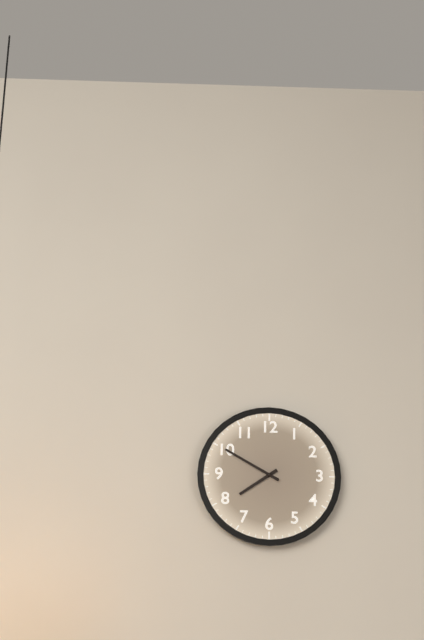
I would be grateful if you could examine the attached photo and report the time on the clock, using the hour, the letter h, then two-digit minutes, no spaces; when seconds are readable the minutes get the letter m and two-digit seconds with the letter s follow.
7h50
